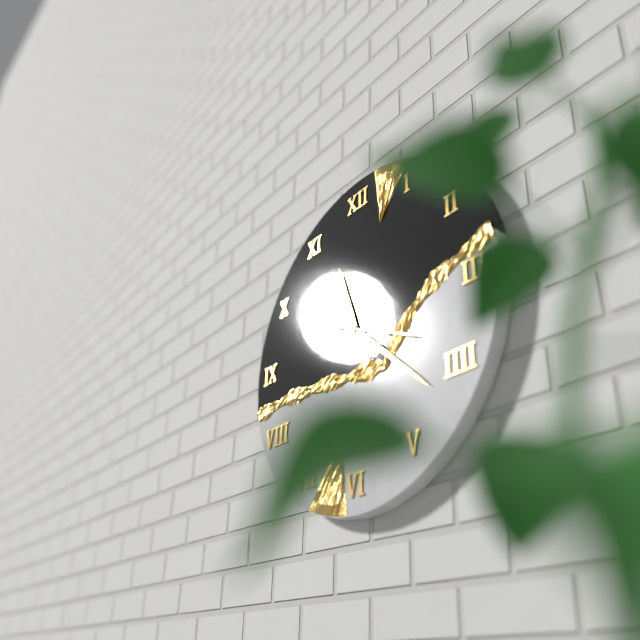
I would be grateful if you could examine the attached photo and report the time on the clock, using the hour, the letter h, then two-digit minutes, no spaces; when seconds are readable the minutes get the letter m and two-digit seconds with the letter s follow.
11h22m19s
